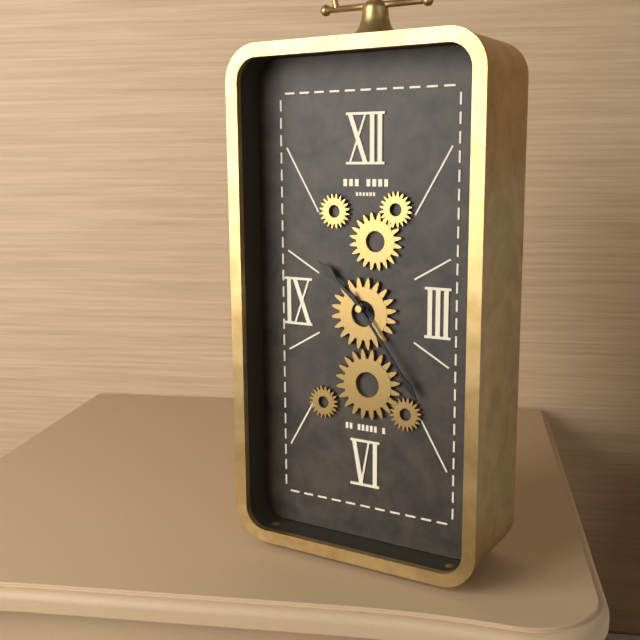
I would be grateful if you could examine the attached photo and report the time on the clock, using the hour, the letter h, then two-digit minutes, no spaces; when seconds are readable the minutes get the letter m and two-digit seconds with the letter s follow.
10h24
